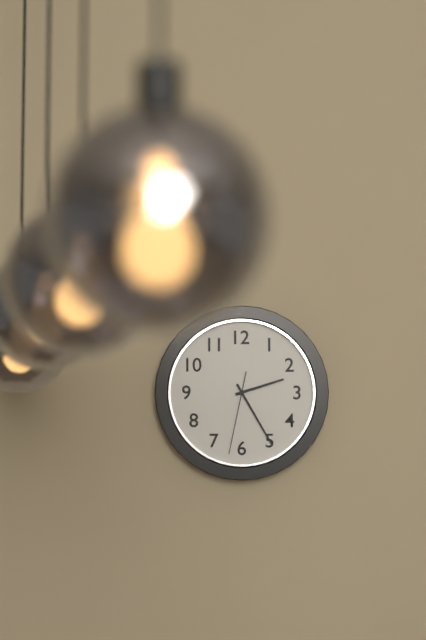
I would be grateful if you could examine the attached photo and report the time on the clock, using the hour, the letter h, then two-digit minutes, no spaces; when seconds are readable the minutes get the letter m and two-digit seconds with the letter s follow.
2h25m32s
